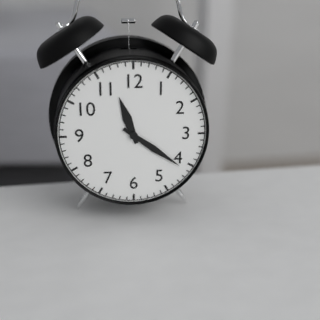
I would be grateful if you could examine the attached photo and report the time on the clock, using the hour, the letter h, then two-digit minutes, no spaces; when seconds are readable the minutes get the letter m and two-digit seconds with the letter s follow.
11h21
